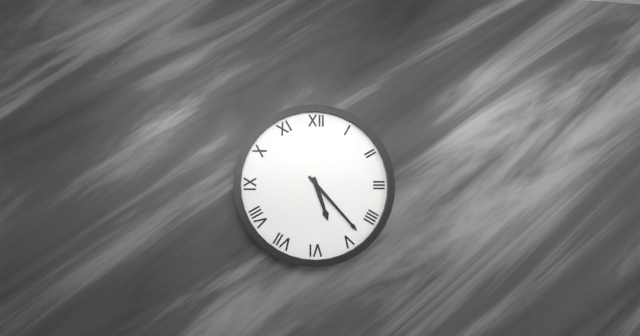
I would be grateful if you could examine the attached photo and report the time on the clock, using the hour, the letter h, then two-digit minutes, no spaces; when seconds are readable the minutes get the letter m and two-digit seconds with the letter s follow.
5h23
